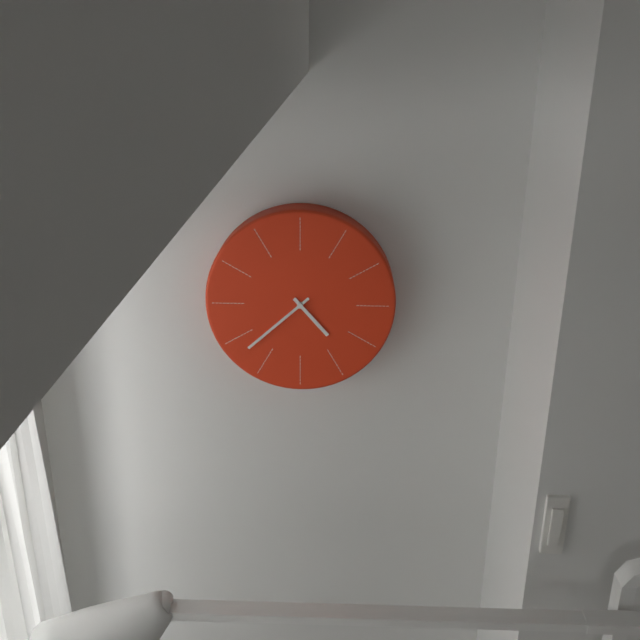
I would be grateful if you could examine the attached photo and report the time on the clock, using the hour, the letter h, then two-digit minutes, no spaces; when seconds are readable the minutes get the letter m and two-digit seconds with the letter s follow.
4h38
